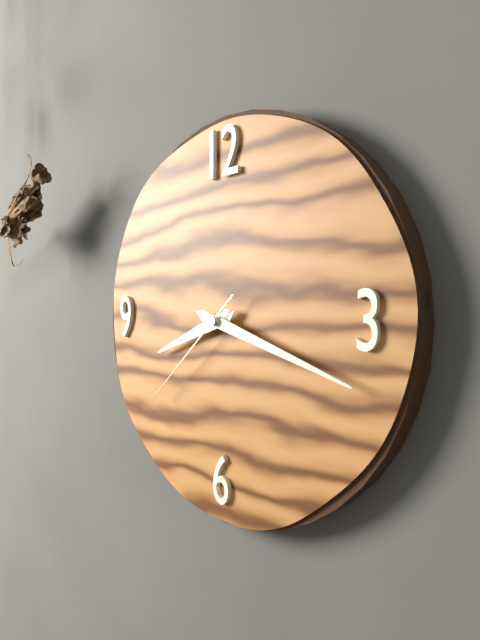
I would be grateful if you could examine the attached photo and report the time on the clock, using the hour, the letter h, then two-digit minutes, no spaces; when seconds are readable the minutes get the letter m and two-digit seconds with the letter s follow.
8h18m38s
